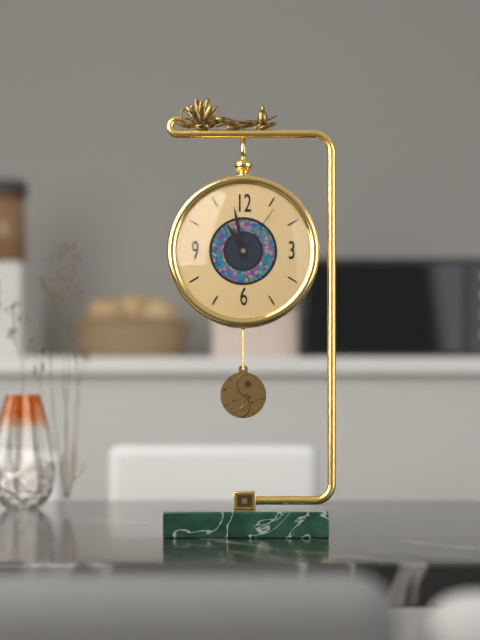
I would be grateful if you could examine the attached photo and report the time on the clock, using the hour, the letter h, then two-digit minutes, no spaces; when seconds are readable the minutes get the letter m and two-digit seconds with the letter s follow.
10h58m06s
